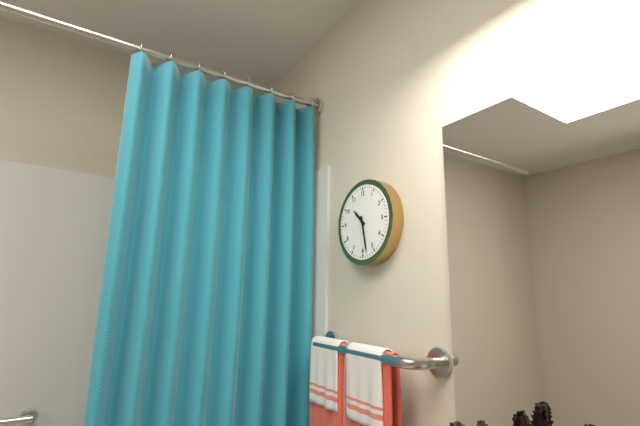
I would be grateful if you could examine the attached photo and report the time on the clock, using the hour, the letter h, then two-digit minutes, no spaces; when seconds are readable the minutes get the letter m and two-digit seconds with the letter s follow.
10h28
